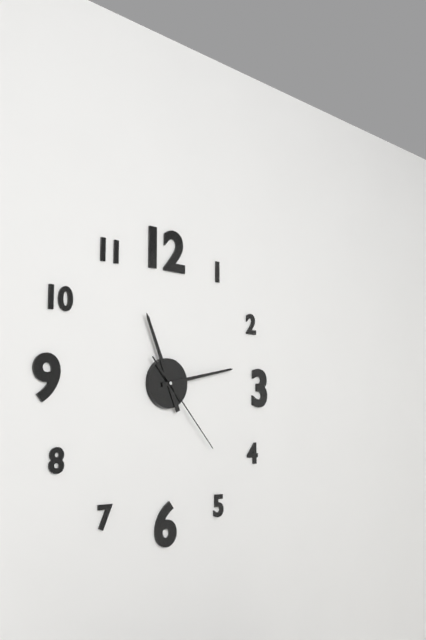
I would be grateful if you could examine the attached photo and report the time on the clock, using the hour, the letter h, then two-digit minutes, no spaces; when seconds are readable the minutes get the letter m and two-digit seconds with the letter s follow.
11h13m23s
